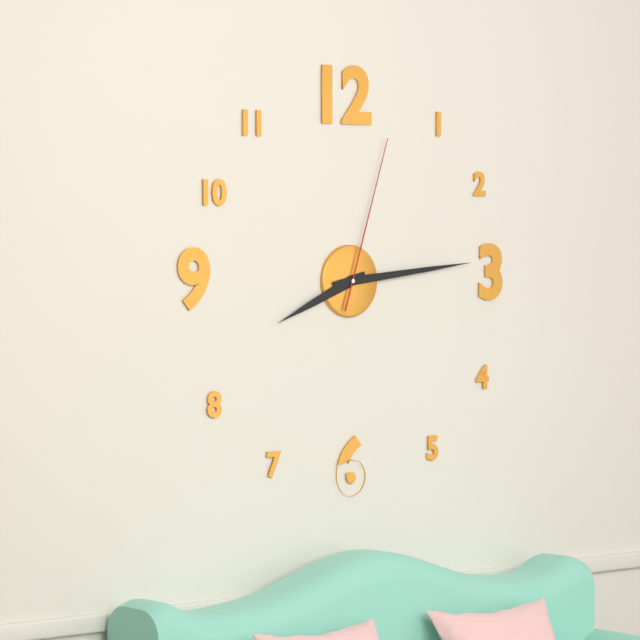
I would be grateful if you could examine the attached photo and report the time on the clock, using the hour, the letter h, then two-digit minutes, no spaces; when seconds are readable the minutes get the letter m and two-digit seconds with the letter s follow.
8h14m03s
